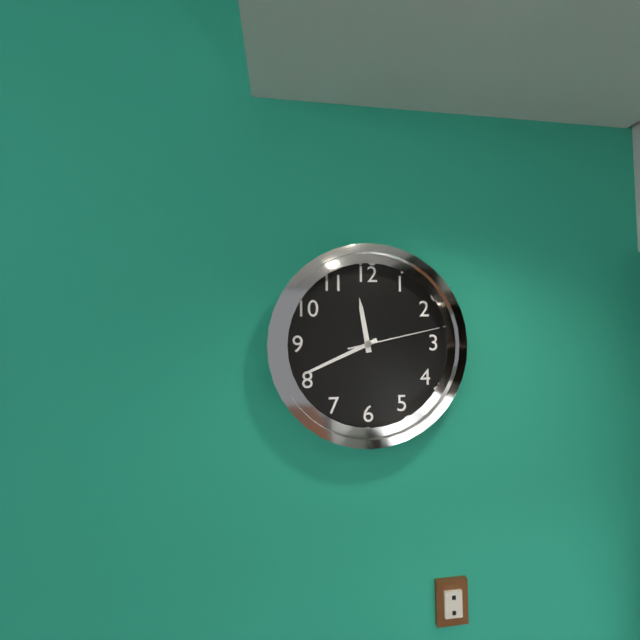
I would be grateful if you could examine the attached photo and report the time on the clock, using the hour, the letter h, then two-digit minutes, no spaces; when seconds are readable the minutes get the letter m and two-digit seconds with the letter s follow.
11h41m13s
